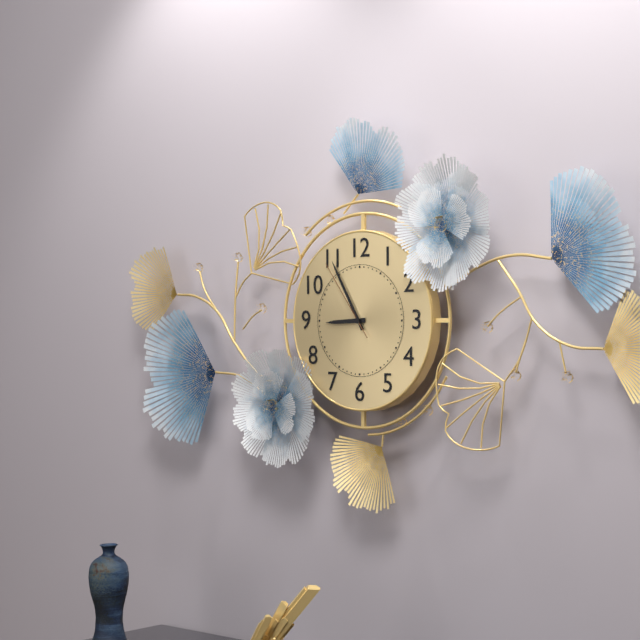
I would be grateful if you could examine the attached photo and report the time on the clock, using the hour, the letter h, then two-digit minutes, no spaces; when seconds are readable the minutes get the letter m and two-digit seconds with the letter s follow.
8h55m54s
